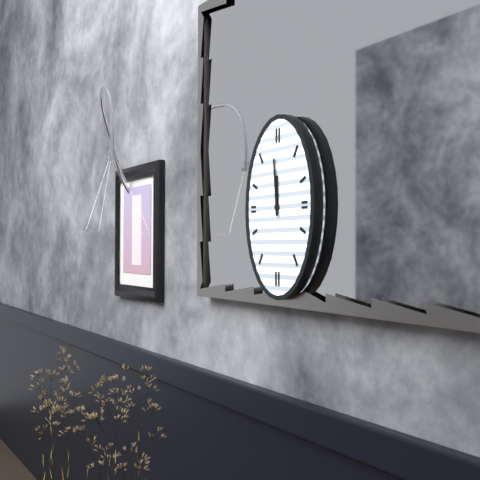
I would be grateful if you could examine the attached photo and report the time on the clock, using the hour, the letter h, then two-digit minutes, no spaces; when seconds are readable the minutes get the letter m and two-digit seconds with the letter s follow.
11h59
